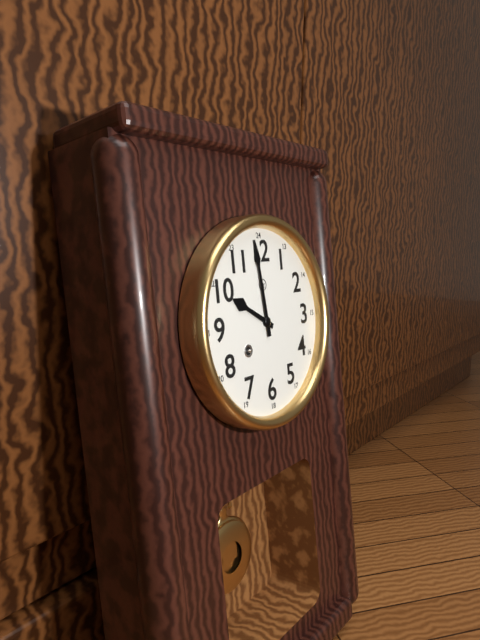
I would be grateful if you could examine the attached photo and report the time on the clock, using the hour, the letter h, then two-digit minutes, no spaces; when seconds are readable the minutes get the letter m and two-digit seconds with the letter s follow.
9h59
